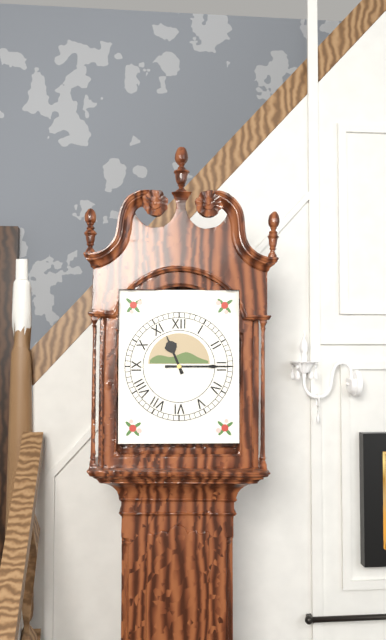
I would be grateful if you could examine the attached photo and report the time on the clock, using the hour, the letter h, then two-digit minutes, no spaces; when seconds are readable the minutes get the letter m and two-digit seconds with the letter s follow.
11h15
